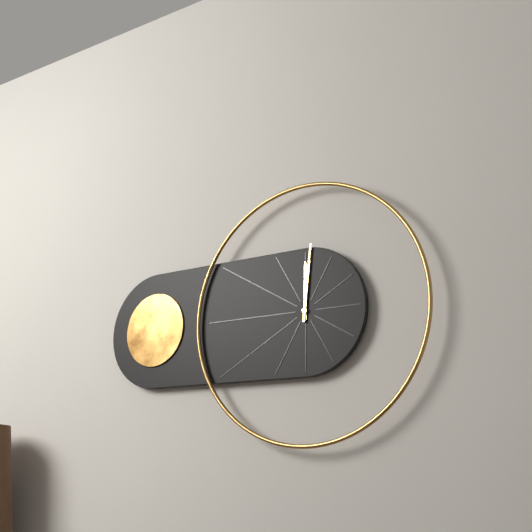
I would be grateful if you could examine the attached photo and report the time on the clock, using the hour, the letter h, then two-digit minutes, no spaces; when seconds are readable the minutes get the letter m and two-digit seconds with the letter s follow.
12h01
